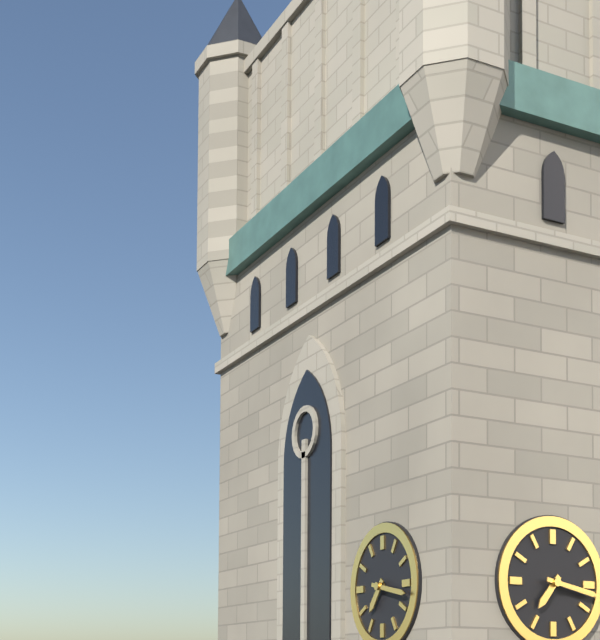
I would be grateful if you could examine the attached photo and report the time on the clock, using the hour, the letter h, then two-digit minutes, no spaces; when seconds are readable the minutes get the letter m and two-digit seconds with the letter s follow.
7h17
